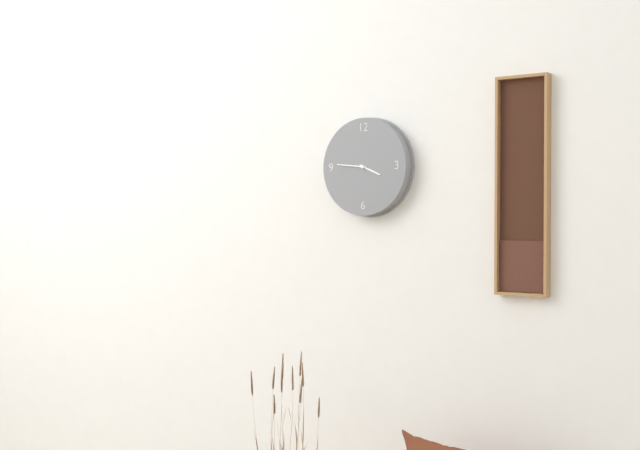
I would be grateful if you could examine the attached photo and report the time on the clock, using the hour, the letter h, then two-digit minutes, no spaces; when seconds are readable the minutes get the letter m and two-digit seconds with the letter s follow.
3h46
